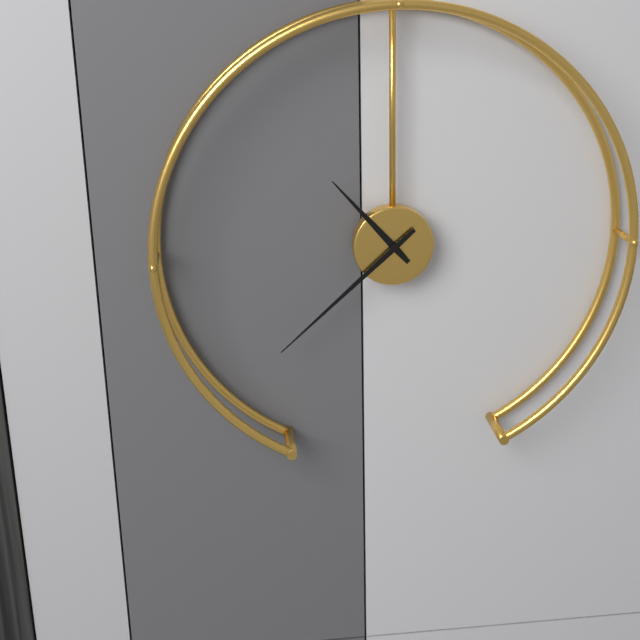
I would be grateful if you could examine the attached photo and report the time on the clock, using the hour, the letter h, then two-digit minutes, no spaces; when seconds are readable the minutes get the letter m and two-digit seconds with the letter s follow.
10h38
